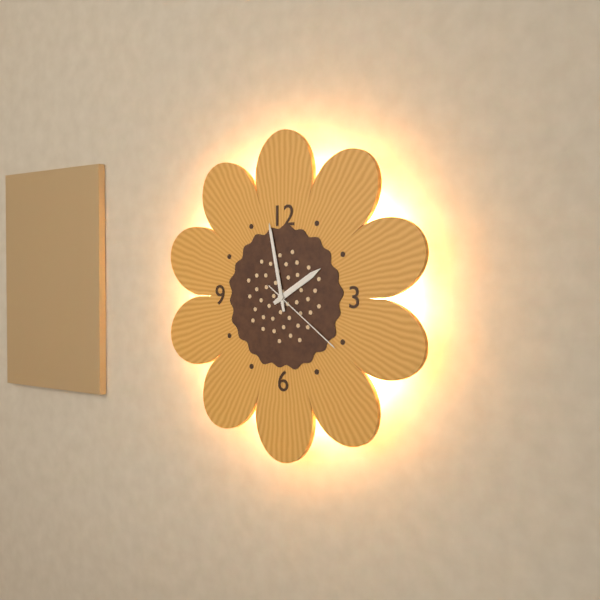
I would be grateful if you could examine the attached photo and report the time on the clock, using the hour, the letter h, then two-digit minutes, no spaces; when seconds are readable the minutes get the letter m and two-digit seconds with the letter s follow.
1h58m21s
